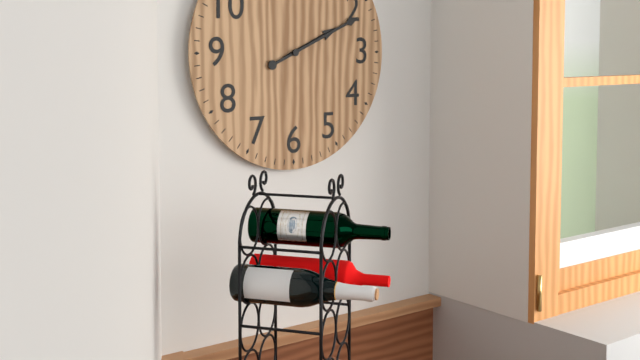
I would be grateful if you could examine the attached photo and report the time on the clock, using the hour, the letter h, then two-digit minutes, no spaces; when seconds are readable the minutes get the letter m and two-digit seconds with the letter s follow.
2h11
